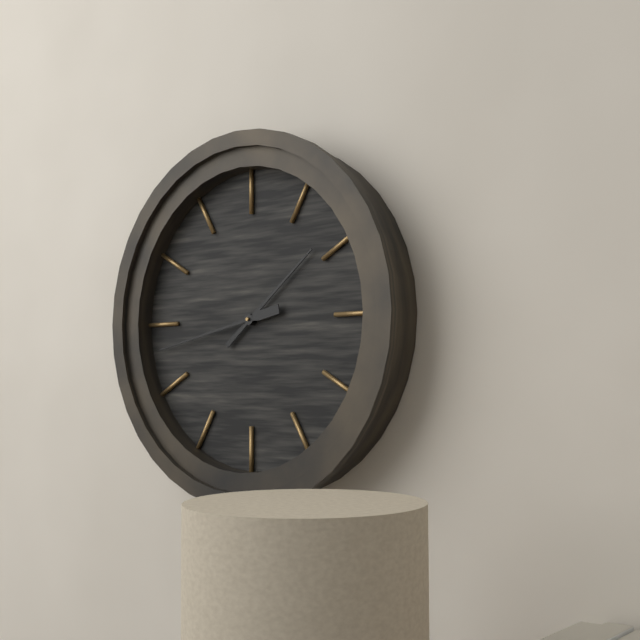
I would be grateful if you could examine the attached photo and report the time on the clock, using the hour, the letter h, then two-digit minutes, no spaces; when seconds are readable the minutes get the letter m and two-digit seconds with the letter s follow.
1h43
